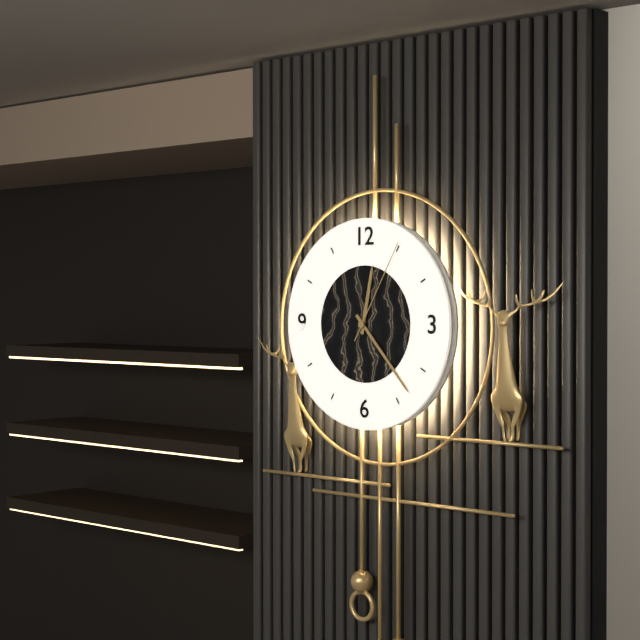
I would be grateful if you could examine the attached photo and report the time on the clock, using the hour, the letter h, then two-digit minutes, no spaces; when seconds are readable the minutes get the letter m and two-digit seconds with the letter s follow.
12h23m05s
